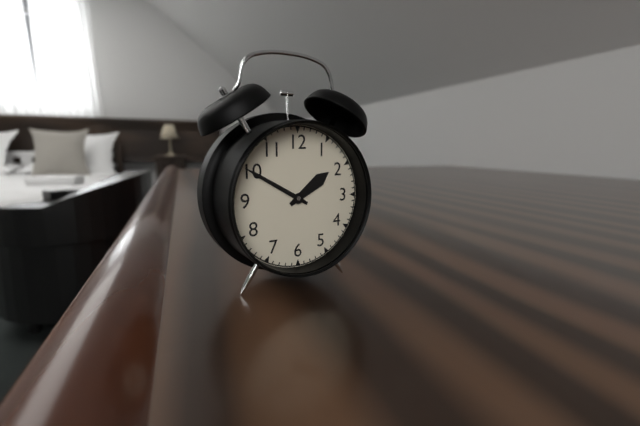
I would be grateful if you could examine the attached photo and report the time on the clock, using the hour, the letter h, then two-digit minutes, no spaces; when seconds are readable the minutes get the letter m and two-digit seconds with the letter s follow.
1h50
